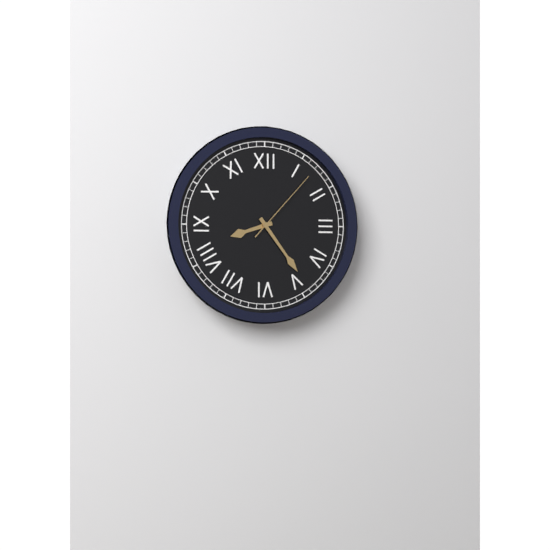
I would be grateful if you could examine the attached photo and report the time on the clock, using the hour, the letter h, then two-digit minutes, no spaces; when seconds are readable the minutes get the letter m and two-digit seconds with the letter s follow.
8h24m07s
